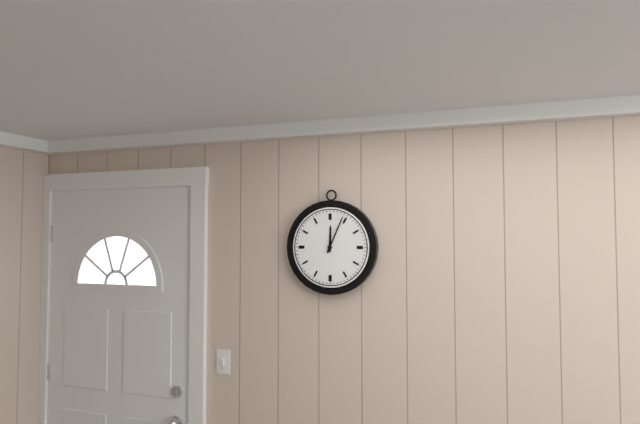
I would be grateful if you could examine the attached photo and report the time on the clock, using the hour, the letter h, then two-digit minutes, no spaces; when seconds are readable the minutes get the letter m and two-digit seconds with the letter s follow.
12h04
